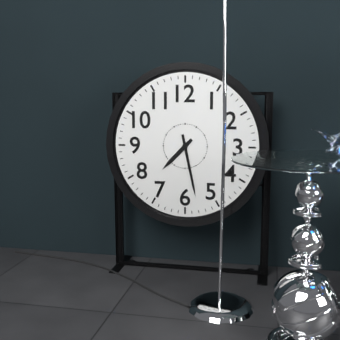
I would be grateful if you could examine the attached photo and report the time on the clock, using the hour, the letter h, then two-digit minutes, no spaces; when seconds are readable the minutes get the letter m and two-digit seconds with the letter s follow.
7h28
